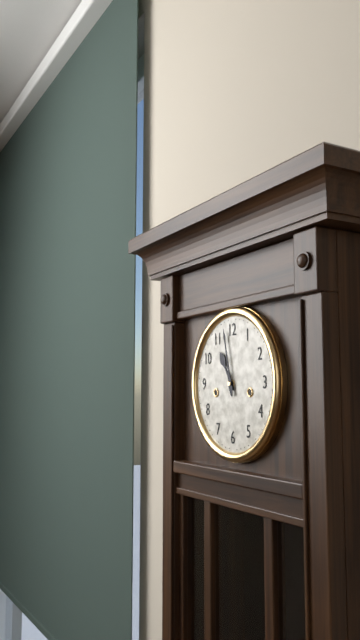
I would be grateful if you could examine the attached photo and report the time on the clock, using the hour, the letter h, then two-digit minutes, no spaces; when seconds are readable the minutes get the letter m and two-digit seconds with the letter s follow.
10h58
